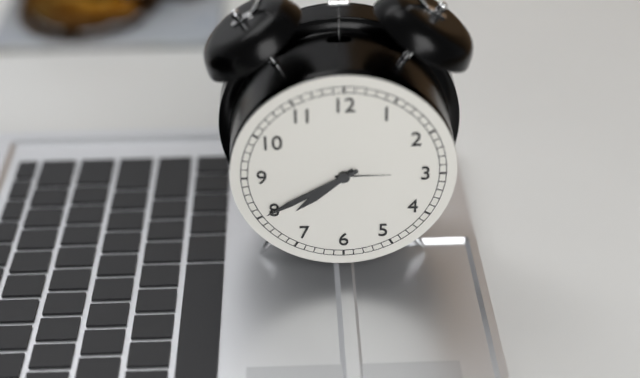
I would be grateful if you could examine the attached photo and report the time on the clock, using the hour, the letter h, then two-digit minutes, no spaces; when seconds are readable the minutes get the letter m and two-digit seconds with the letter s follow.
7h40
